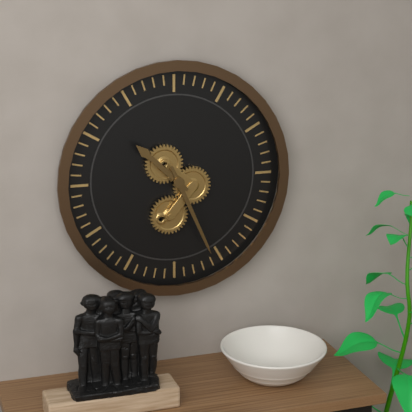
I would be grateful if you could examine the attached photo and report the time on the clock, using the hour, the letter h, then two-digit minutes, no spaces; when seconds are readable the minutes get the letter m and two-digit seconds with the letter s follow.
10h26
